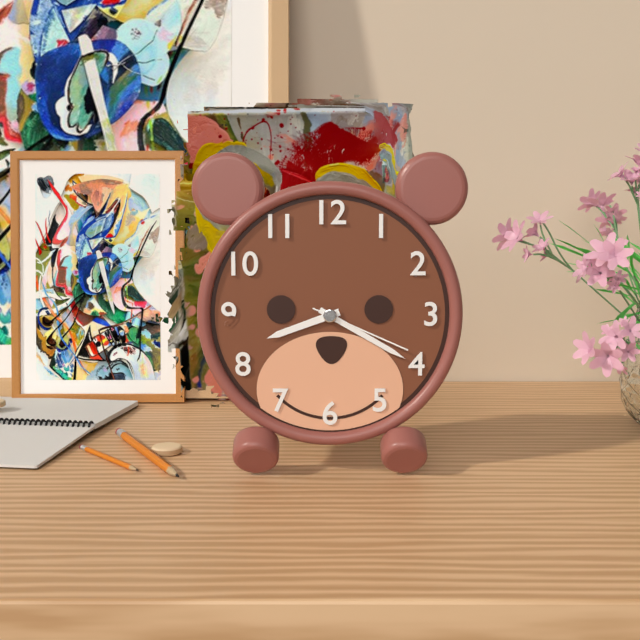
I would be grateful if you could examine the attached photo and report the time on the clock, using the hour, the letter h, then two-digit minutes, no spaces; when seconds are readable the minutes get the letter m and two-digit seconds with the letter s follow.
8h20m19s
